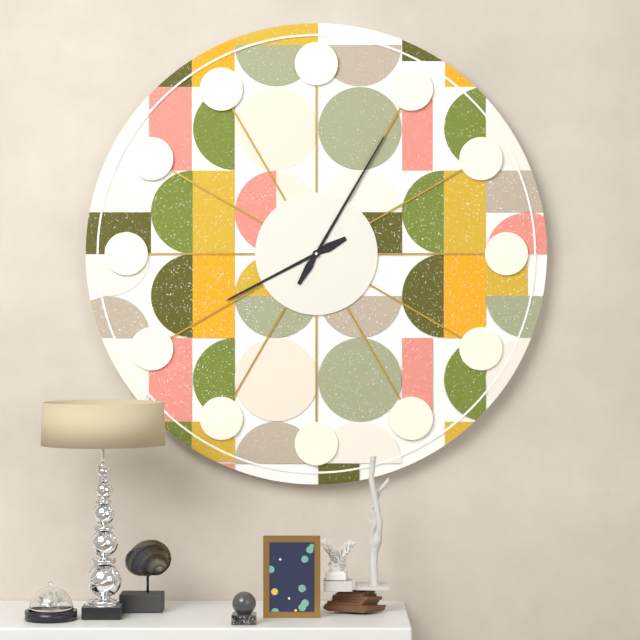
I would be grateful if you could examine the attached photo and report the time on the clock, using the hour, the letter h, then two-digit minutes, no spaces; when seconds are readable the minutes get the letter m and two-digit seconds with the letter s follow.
8h05
